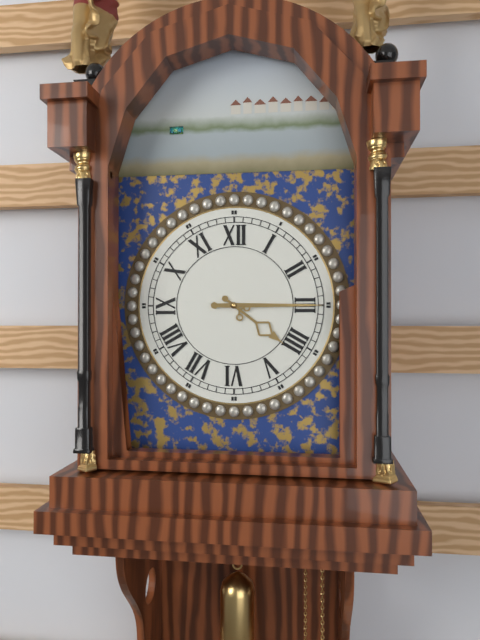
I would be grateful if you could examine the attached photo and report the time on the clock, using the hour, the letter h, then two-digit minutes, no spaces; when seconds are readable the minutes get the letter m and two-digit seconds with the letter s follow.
4h15
